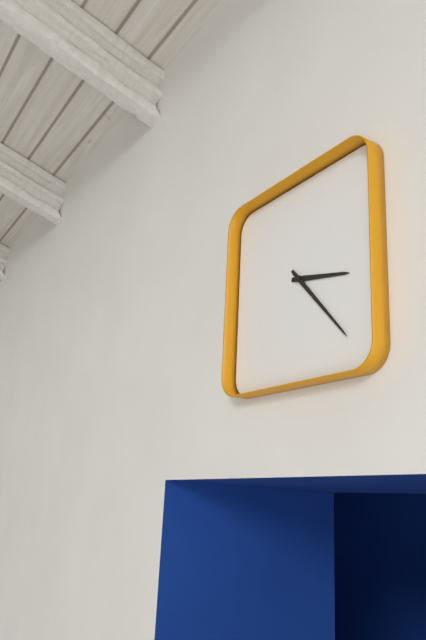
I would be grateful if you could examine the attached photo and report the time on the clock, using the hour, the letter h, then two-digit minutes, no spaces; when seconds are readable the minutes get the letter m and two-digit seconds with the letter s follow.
3h23
